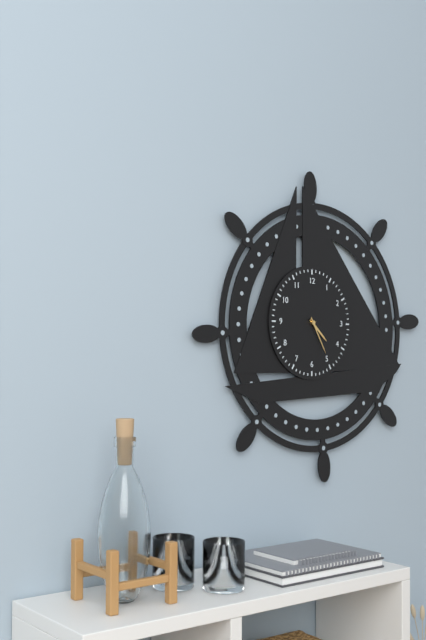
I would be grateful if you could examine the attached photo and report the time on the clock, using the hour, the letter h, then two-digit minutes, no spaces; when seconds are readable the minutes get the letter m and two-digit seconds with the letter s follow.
4h25
